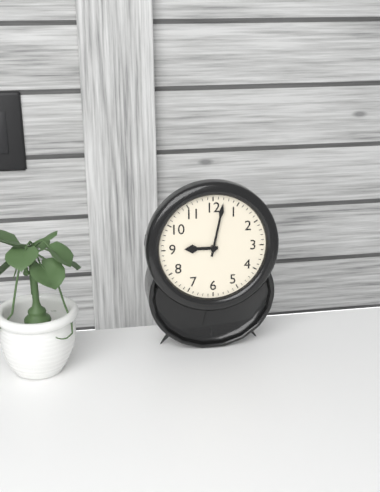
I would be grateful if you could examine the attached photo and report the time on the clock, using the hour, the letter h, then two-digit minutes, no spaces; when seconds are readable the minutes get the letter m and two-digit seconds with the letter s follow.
9h02
